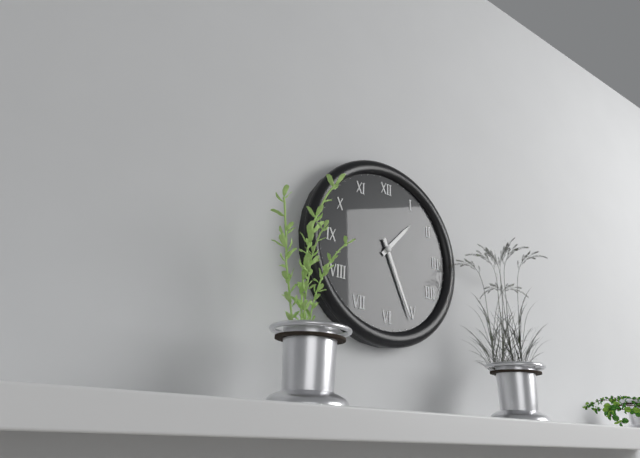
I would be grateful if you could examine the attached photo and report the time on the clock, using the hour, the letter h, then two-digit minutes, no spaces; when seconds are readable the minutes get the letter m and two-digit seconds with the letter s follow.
1h26
